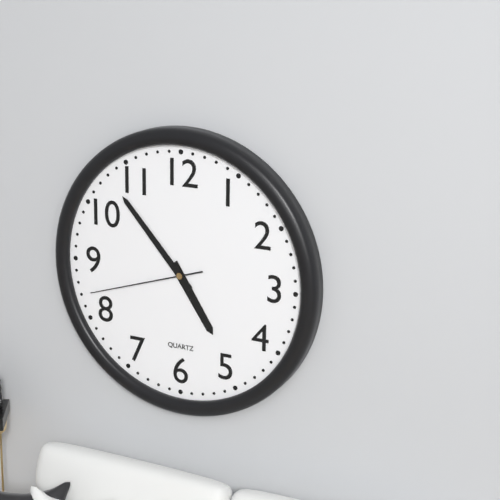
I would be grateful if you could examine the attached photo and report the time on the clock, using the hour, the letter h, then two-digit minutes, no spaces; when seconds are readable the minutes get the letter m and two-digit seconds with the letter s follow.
4h53m42s
